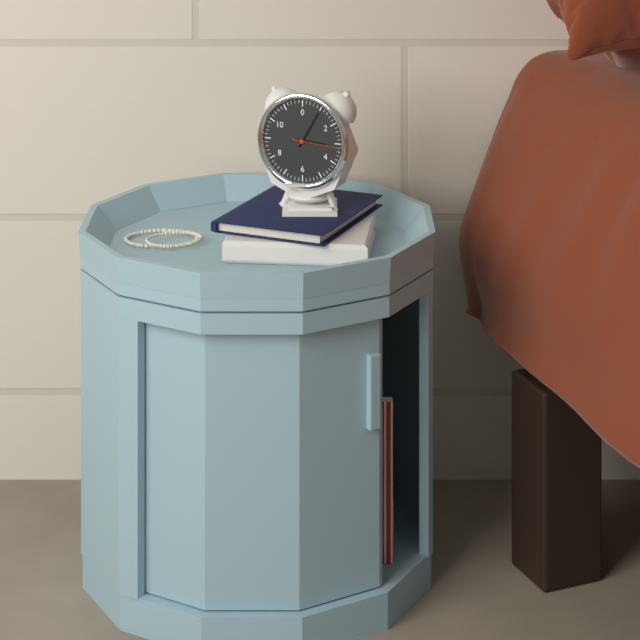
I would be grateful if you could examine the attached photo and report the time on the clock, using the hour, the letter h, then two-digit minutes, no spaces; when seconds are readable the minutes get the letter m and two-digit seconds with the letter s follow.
3h05
